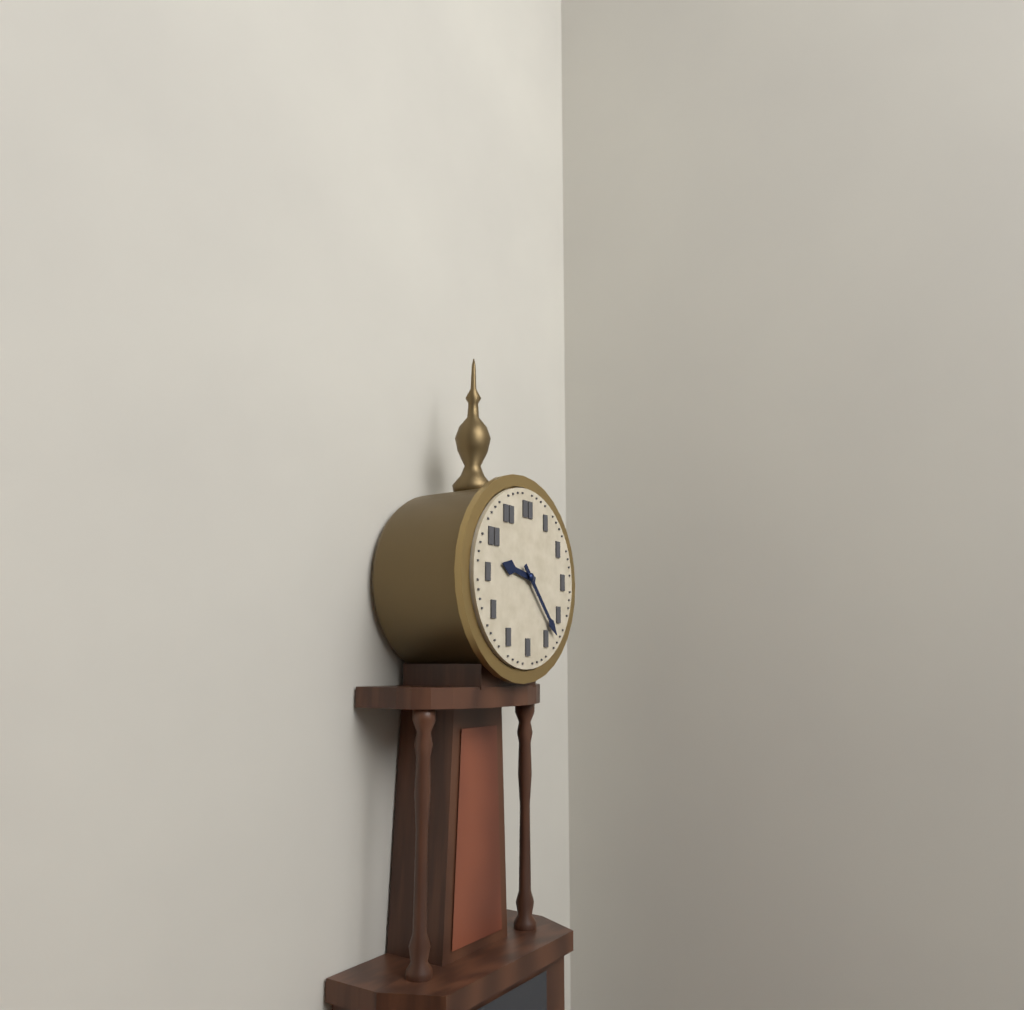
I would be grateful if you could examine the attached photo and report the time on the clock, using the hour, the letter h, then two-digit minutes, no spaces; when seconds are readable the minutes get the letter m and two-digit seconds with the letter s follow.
9h23
